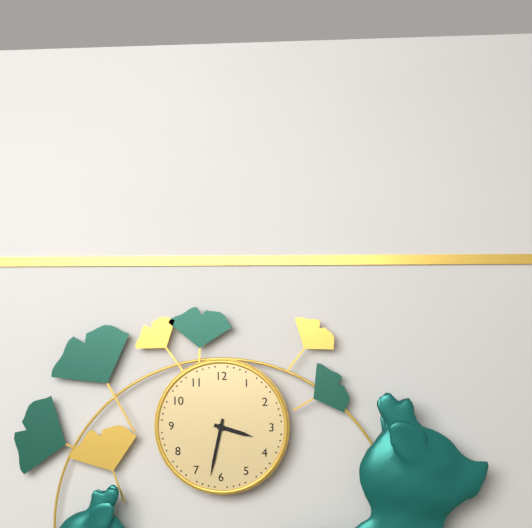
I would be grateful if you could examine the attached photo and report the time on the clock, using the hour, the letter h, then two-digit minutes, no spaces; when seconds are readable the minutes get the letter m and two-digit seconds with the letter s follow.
3h32
